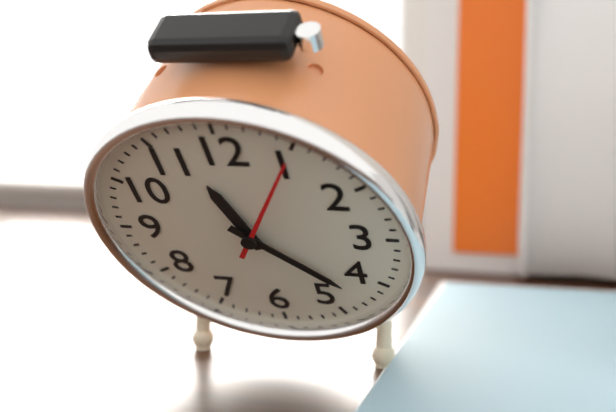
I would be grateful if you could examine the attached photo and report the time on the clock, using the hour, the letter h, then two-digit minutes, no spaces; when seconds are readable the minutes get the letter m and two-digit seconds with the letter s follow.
11h22m05s
